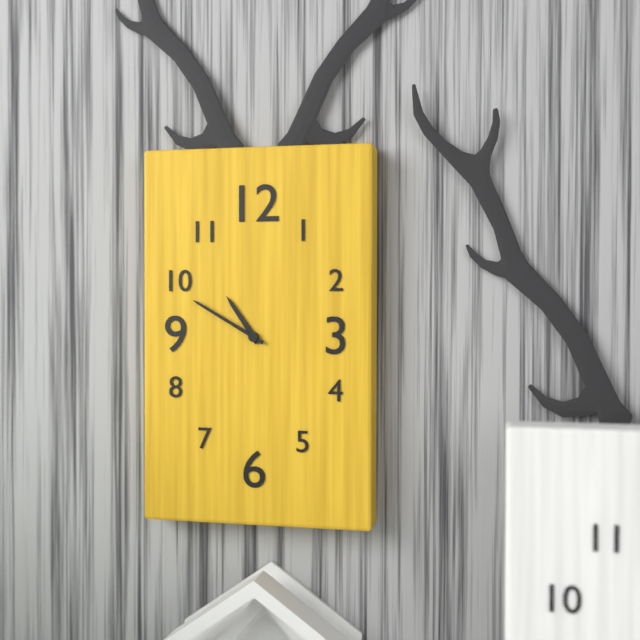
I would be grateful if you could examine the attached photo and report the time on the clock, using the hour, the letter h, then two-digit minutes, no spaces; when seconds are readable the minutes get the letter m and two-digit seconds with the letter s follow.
10h50
